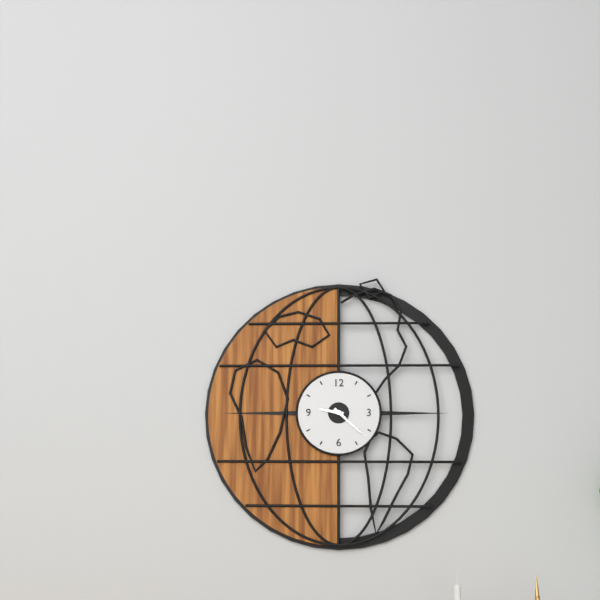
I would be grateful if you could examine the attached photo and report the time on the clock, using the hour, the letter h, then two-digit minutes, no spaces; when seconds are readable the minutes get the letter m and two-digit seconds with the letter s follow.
9h22
